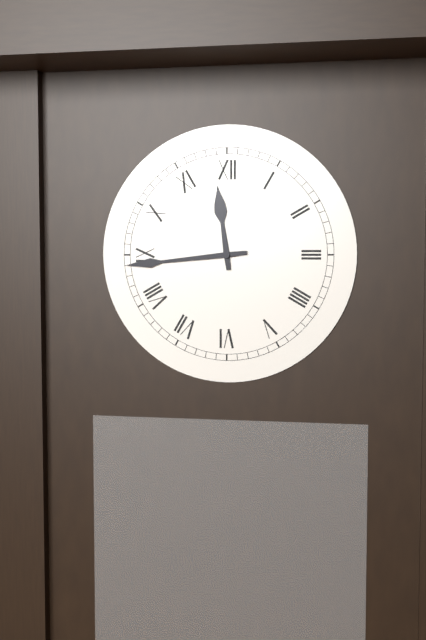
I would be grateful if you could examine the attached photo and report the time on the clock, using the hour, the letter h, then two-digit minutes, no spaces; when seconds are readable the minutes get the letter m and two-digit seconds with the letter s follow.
11h44
